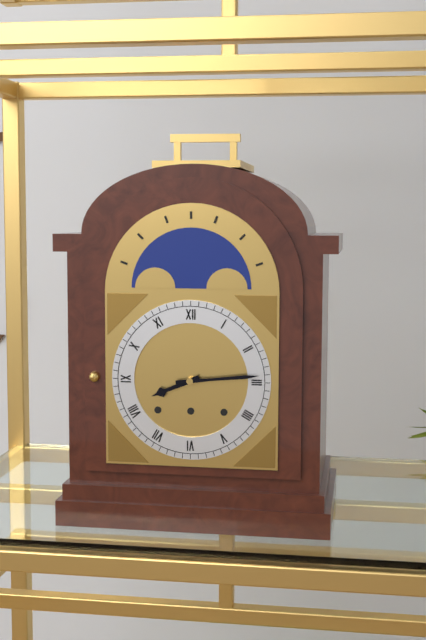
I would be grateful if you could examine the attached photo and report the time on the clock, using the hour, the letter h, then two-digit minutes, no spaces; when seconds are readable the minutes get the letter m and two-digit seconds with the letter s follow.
8h14
